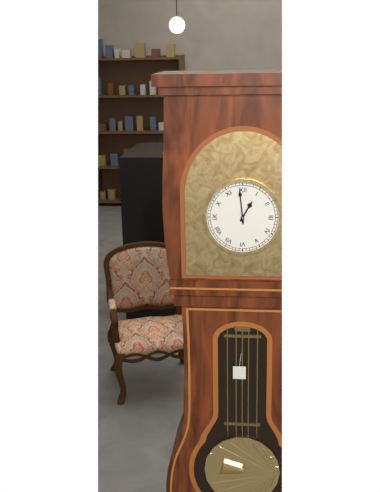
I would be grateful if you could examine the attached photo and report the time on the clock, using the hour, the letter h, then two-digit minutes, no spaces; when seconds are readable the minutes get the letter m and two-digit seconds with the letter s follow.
12h59
